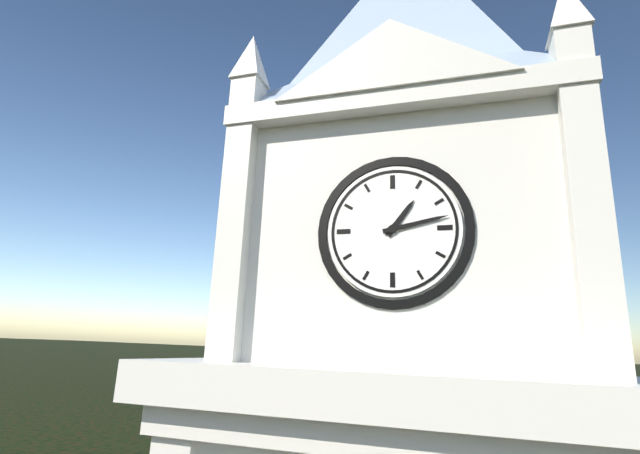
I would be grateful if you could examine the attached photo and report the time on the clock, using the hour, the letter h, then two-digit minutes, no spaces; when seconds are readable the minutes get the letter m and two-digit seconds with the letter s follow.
1h13
